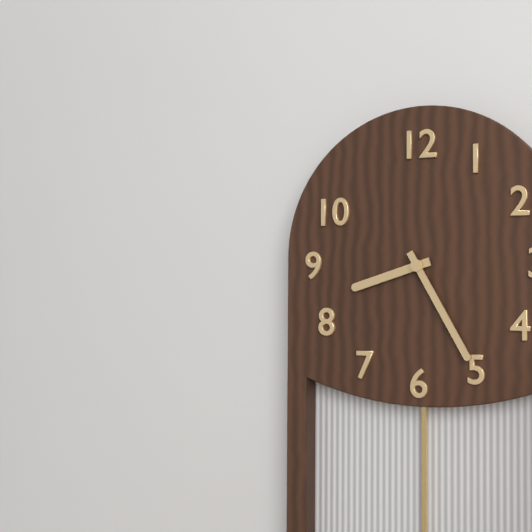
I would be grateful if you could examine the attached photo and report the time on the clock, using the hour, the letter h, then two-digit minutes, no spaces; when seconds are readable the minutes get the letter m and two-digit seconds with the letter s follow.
8h25
